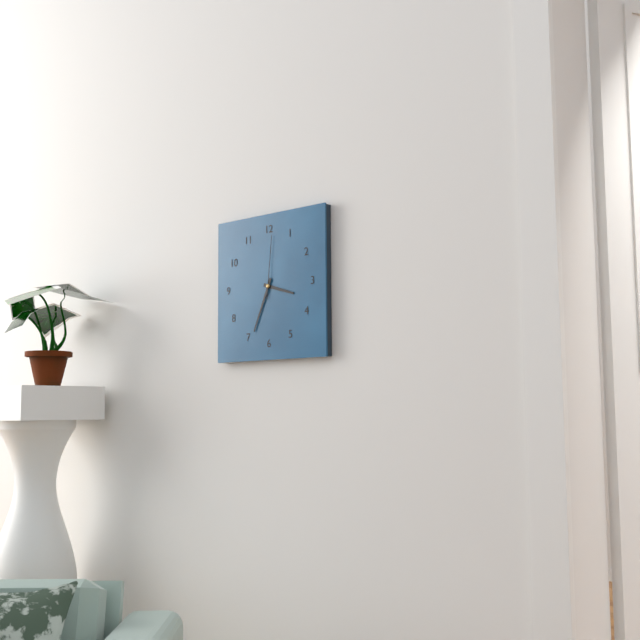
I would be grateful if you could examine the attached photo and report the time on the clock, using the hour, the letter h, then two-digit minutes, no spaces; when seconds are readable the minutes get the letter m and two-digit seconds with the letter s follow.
3h34m01s
